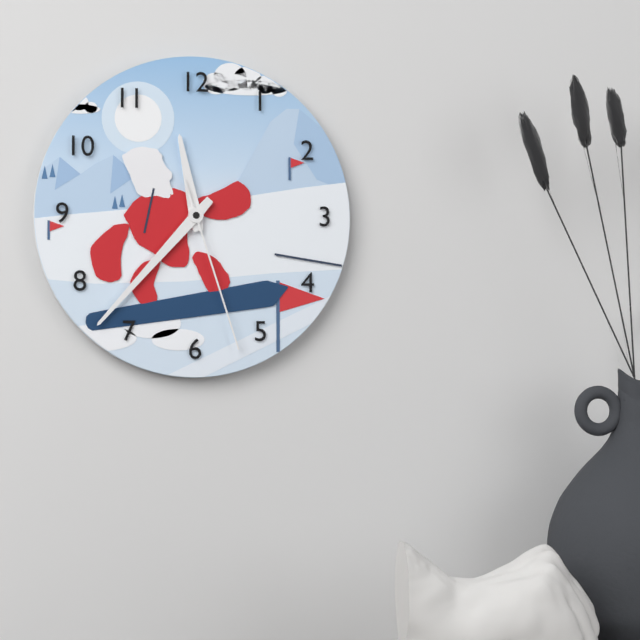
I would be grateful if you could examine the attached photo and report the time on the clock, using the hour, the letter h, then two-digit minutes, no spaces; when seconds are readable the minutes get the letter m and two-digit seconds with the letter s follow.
11h37m27s
